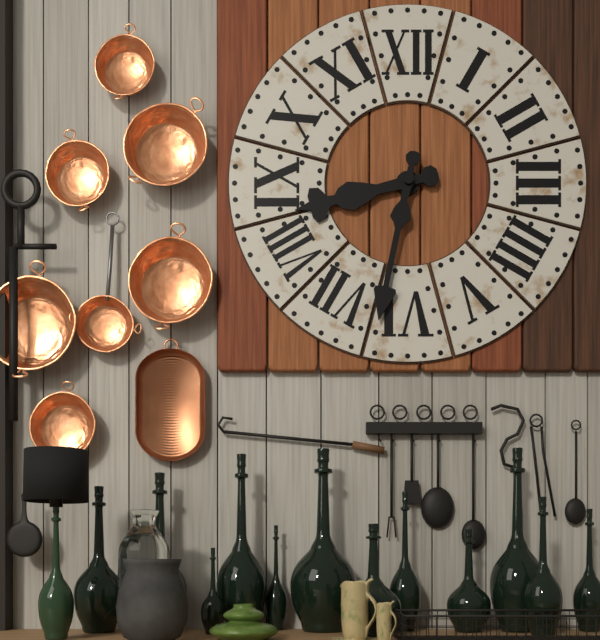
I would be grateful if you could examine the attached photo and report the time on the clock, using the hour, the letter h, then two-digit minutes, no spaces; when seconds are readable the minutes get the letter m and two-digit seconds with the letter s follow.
8h32
